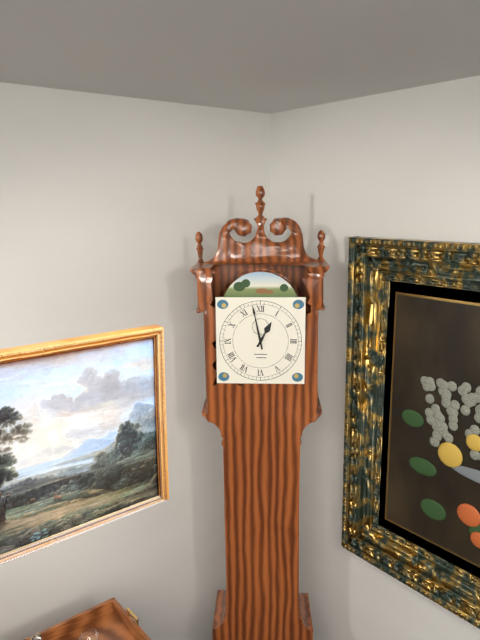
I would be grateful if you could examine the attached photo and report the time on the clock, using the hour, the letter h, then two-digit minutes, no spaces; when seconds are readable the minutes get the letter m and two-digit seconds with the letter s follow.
12h58
